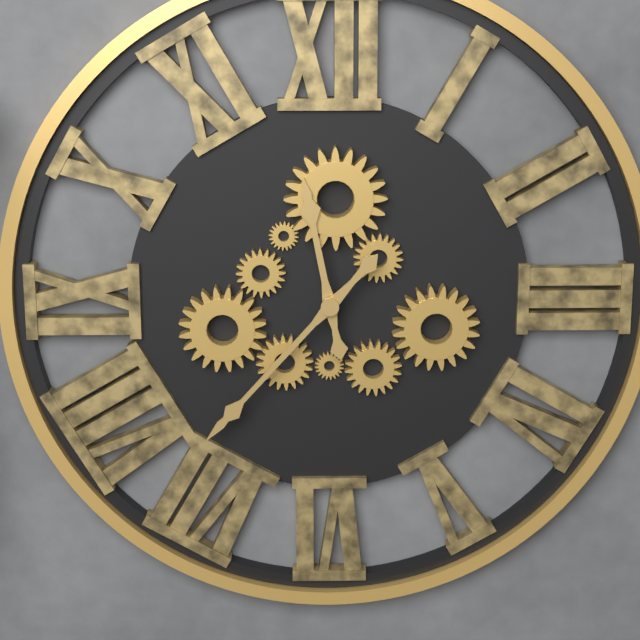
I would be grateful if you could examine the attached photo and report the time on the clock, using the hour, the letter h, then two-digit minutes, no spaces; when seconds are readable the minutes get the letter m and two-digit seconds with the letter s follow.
11h37
